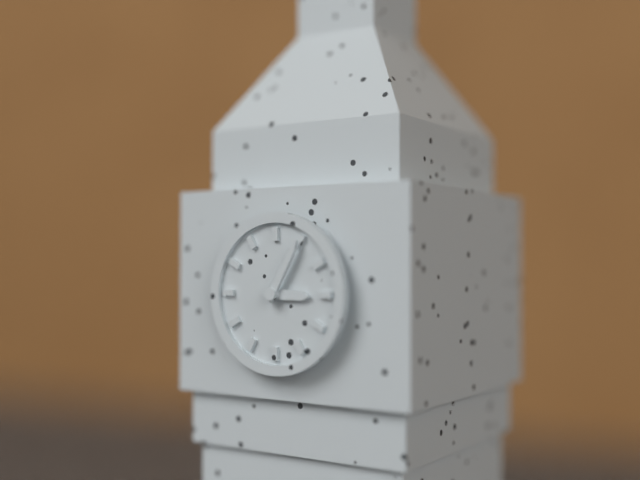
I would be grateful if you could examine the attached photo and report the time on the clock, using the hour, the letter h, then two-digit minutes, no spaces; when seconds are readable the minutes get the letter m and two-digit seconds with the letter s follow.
3h05
